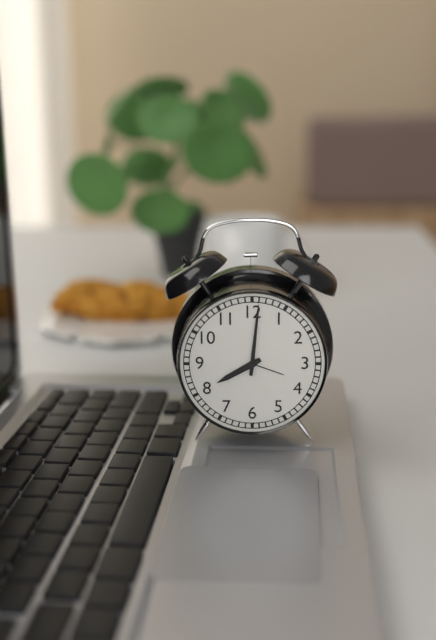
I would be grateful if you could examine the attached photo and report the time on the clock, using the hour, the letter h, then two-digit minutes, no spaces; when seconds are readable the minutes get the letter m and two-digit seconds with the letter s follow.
8h01
